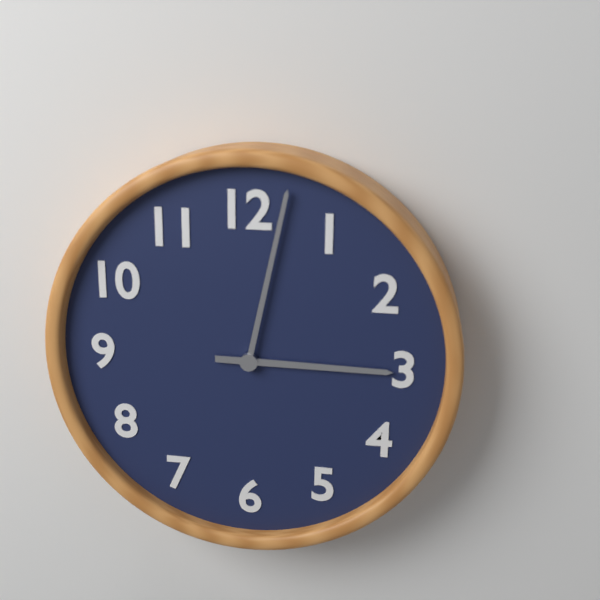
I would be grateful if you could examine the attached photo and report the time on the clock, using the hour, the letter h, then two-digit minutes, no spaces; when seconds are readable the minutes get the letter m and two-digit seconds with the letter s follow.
3h02
